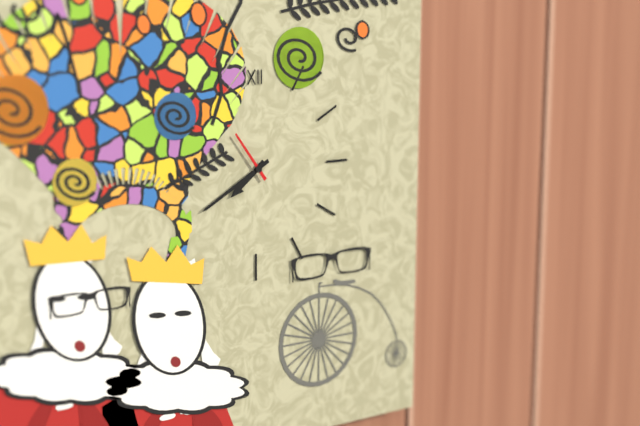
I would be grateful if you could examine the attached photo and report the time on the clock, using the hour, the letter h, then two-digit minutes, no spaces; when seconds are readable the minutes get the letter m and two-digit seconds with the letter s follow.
7h40m54s
